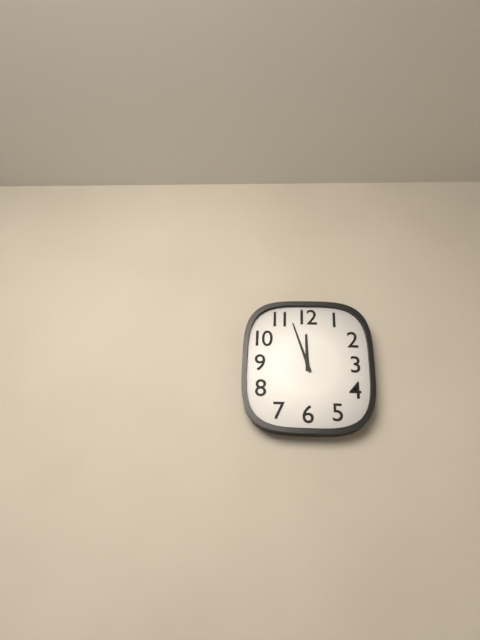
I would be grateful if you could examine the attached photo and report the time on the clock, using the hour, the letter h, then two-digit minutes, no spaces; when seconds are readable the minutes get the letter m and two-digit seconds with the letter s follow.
11h57
